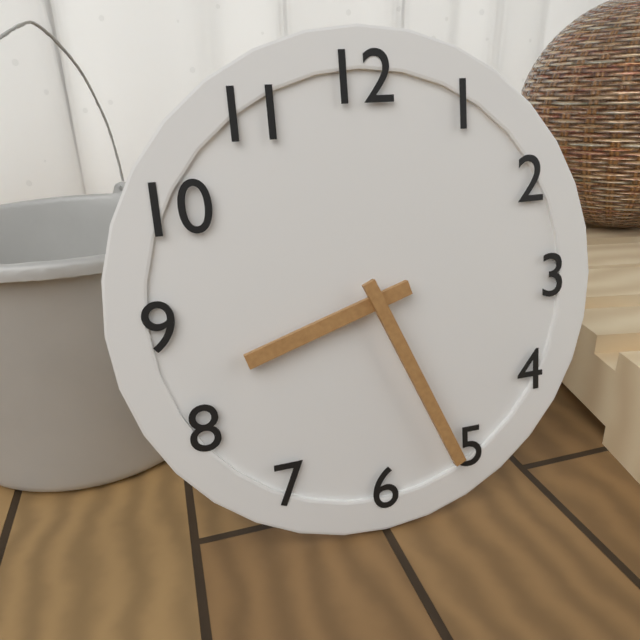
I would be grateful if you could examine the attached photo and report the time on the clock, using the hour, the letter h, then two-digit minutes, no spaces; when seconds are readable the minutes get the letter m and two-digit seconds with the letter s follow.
8h26
